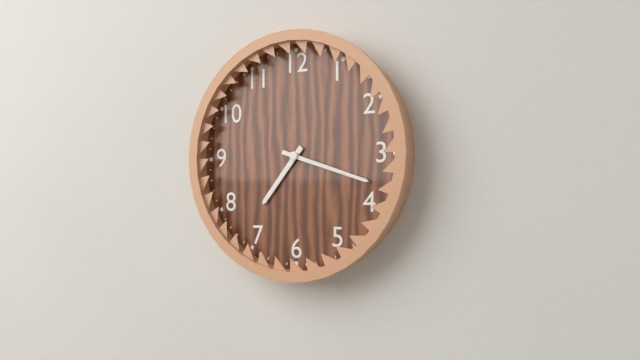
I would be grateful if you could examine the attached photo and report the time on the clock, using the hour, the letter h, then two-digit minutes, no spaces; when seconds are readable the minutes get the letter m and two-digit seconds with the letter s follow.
7h18
